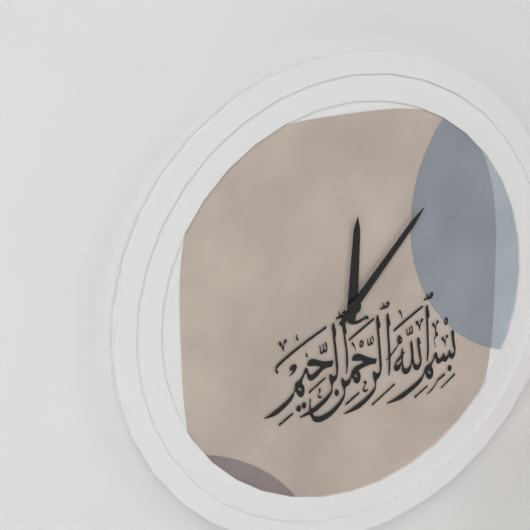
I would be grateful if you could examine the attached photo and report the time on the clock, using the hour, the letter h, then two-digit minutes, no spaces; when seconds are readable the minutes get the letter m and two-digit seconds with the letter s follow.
12h07
